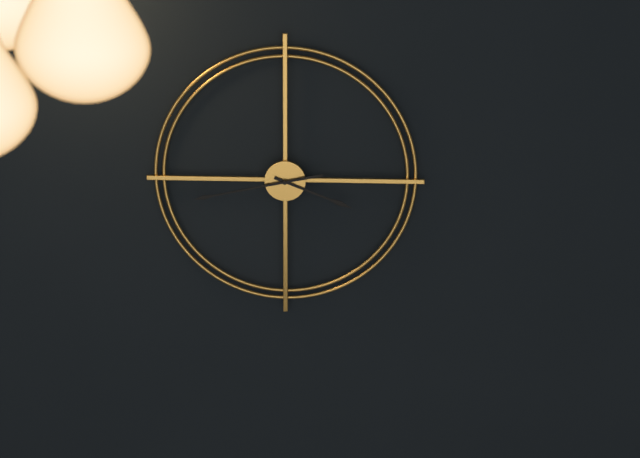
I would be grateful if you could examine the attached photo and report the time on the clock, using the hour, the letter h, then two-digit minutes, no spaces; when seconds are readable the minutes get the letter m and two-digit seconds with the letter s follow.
3h43
